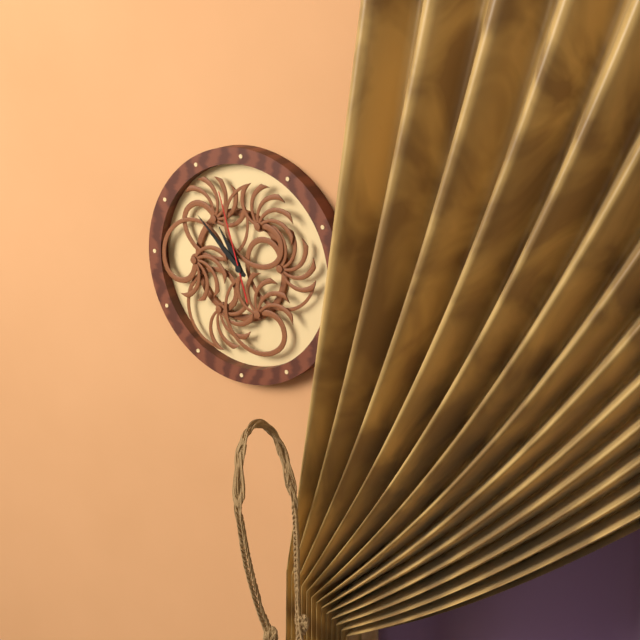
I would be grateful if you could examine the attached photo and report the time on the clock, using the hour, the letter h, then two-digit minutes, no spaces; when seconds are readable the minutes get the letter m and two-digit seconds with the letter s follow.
10h52m57s
